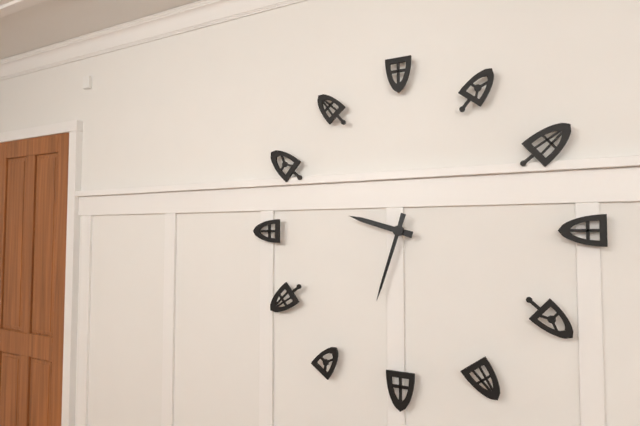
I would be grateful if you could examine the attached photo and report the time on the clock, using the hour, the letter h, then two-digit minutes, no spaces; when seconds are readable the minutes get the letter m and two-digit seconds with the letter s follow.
9h33
